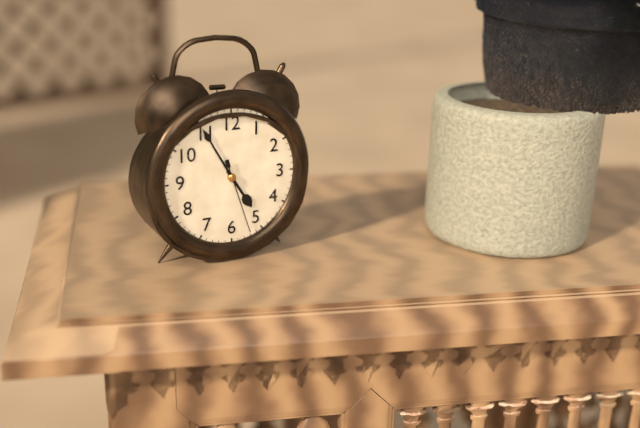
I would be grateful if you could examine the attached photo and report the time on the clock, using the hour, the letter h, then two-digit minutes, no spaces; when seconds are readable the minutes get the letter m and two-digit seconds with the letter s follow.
4h55m27s
